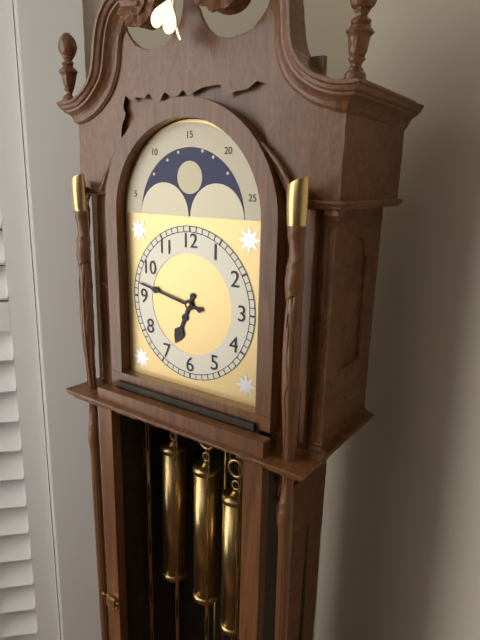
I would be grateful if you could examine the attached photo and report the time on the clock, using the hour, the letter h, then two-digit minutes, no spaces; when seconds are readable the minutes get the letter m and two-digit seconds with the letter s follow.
6h47
